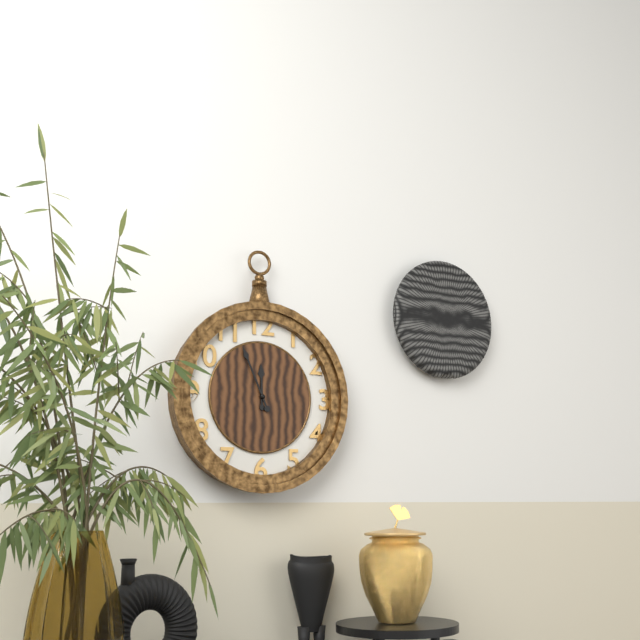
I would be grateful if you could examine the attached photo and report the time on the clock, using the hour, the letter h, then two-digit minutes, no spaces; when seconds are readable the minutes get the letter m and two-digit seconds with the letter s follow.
11h56
